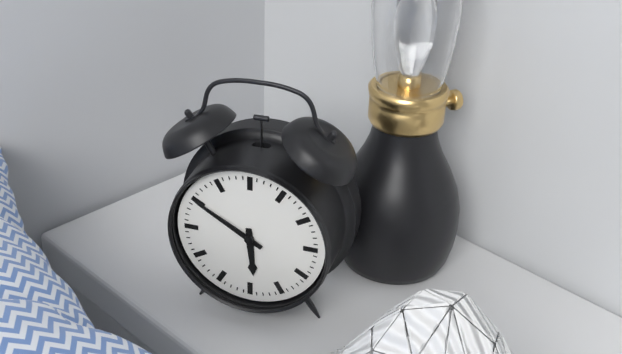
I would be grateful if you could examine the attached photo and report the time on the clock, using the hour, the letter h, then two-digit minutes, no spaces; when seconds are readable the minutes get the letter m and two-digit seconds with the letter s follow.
5h50
